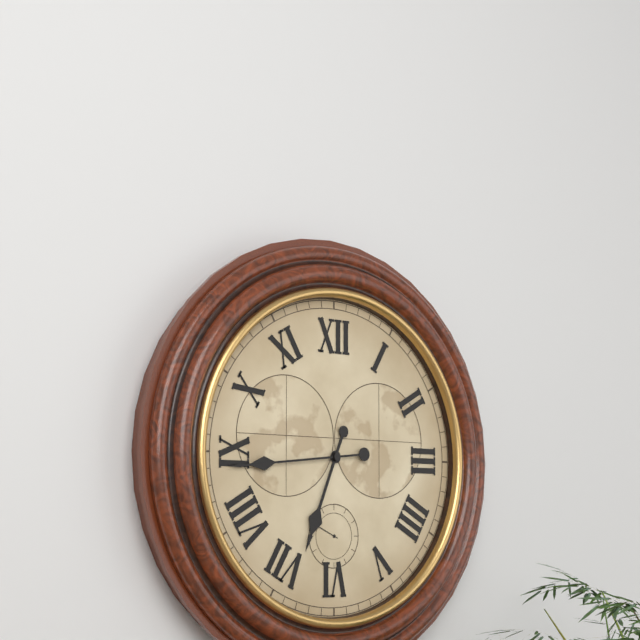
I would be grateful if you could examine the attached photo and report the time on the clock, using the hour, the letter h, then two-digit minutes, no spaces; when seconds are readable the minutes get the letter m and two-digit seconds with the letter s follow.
6h44
